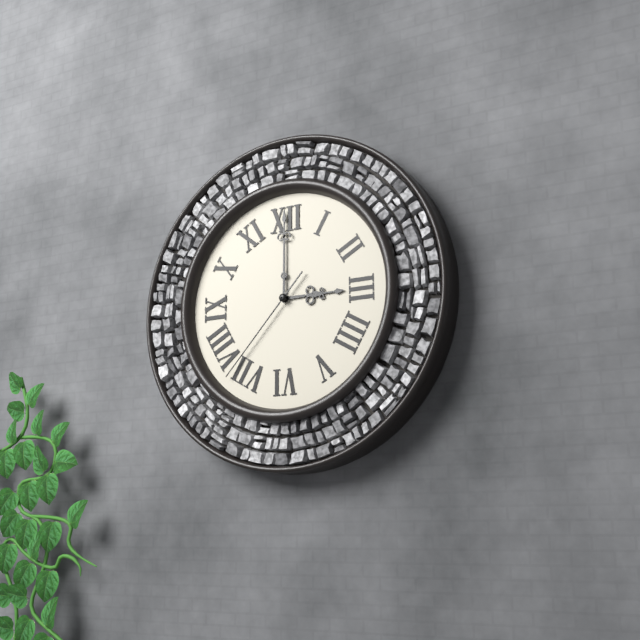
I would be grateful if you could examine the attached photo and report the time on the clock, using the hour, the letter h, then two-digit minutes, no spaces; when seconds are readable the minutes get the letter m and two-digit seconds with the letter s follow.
3h00m37s
